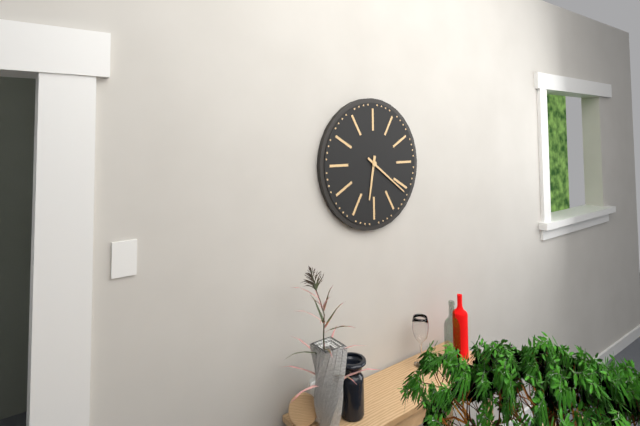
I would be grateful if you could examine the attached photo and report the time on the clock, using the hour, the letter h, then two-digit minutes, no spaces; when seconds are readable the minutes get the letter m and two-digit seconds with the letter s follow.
6h21
